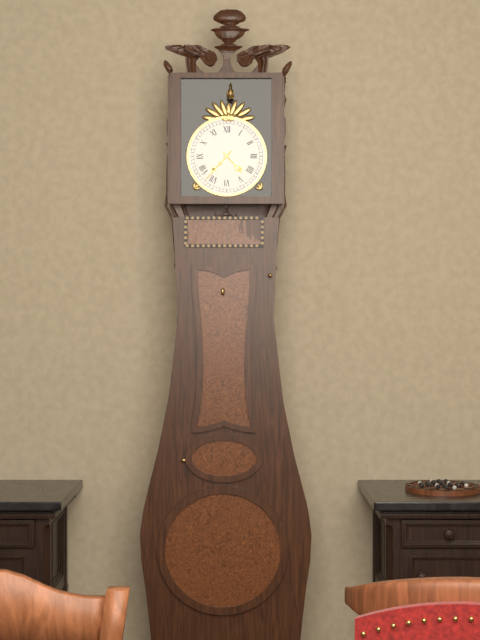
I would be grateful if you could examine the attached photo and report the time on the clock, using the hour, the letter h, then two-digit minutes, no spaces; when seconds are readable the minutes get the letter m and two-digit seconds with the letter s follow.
4h37
